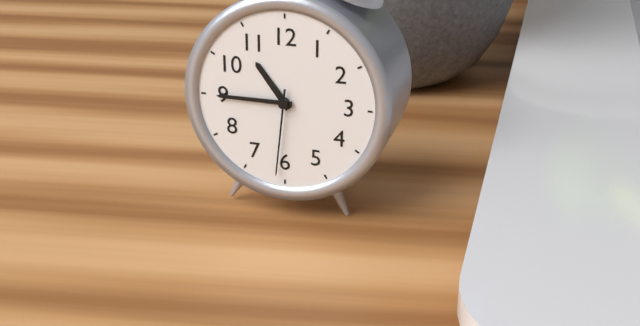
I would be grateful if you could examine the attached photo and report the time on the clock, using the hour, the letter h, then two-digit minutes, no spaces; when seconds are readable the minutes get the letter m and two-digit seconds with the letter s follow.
10h45m31s
